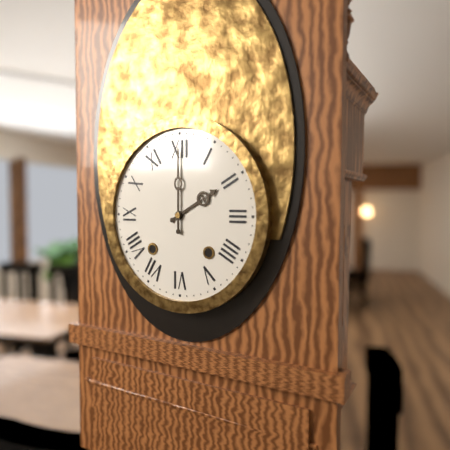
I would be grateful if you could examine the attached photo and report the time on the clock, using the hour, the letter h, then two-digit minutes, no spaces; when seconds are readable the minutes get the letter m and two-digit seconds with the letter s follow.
2h00
